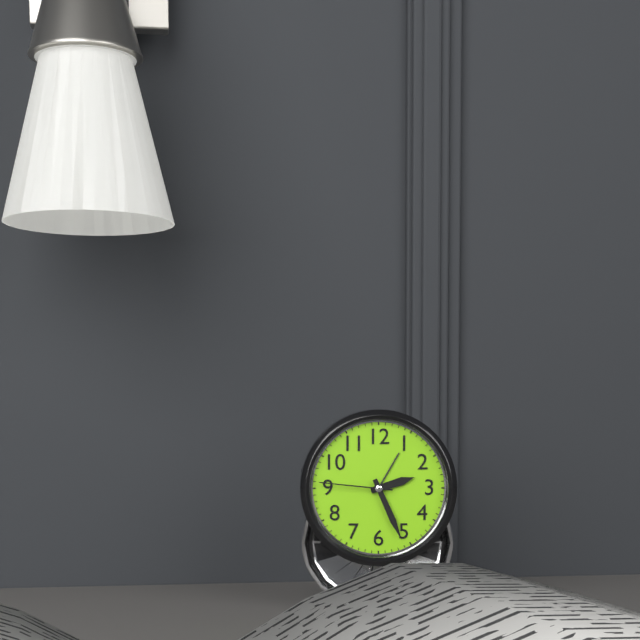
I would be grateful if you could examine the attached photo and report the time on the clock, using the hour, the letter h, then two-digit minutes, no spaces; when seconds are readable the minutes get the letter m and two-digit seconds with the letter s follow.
2h26m46s
